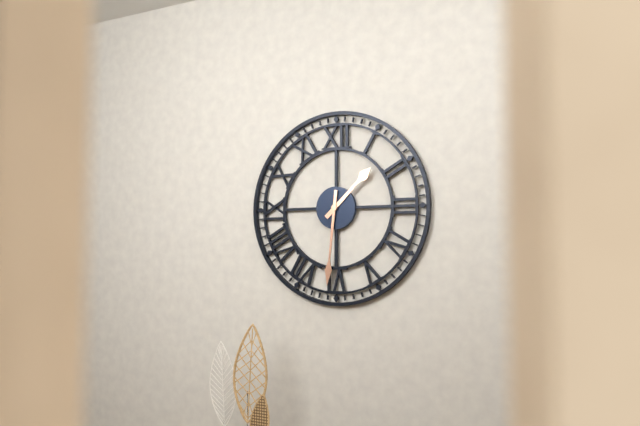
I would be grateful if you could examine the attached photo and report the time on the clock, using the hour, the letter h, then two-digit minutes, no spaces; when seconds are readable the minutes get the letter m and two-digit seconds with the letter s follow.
1h31
